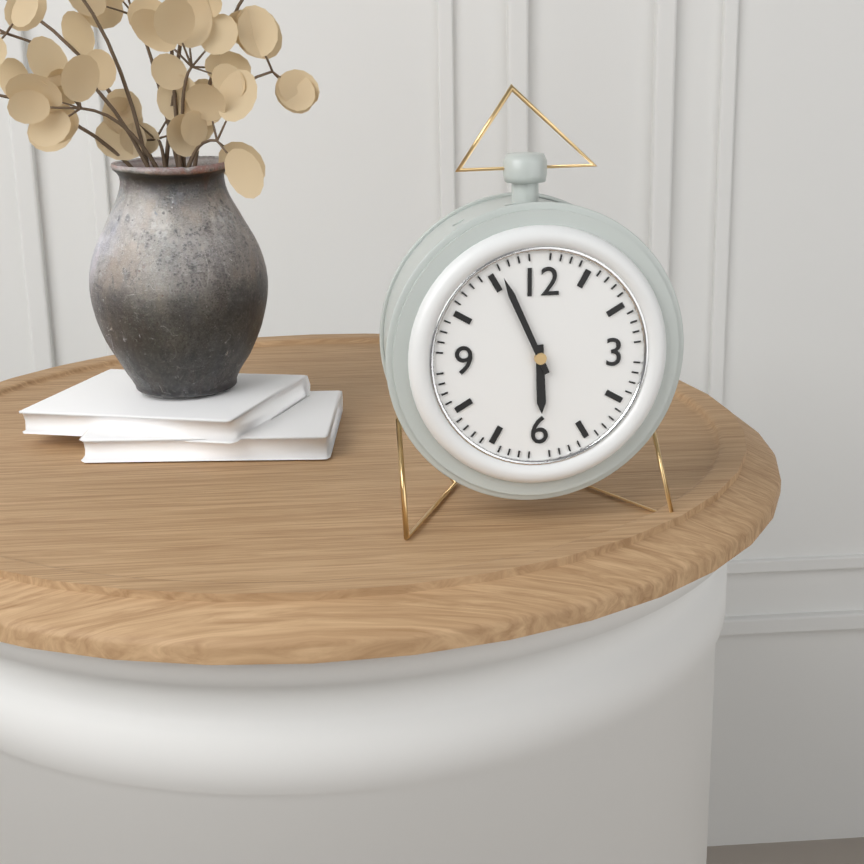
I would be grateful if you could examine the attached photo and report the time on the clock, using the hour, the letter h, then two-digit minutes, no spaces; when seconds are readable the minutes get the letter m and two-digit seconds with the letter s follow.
5h56
